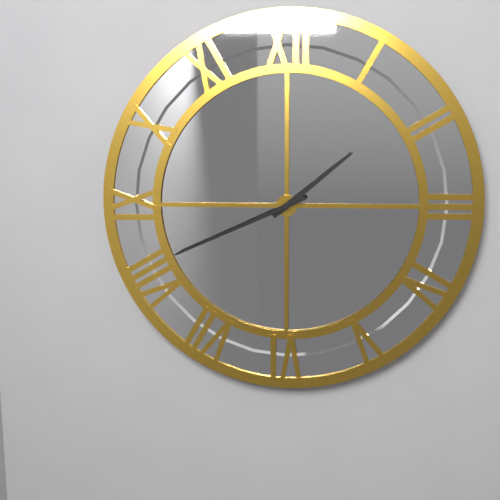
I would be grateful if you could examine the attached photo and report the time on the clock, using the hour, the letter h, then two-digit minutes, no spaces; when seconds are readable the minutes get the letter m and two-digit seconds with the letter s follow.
1h41
